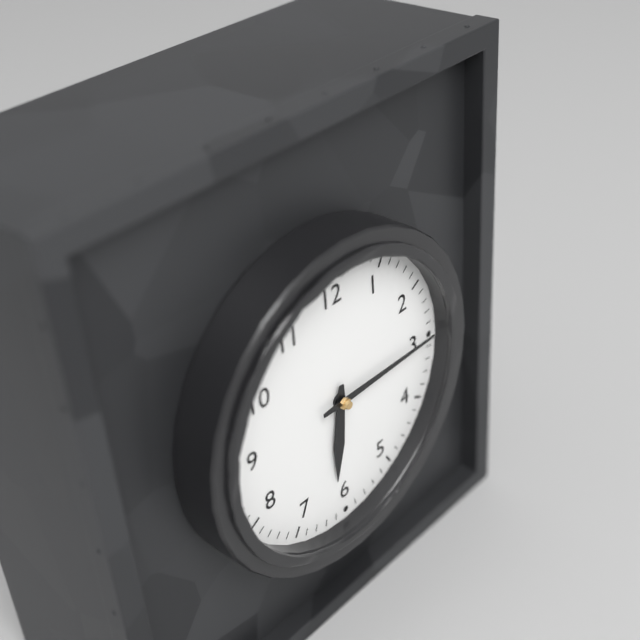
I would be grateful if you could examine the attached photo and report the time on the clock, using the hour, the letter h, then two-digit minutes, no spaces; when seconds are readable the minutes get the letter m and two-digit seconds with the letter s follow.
6h15
